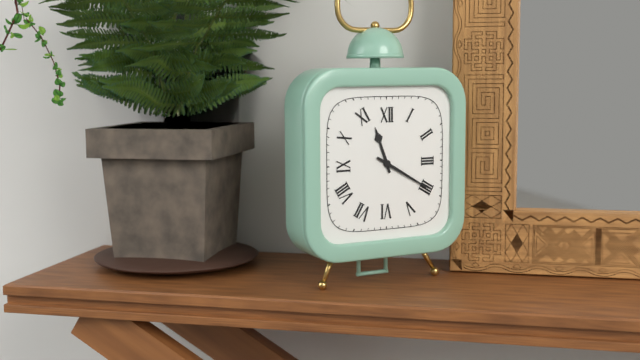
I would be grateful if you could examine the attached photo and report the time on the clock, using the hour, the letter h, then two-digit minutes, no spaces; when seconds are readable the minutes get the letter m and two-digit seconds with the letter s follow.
11h20
